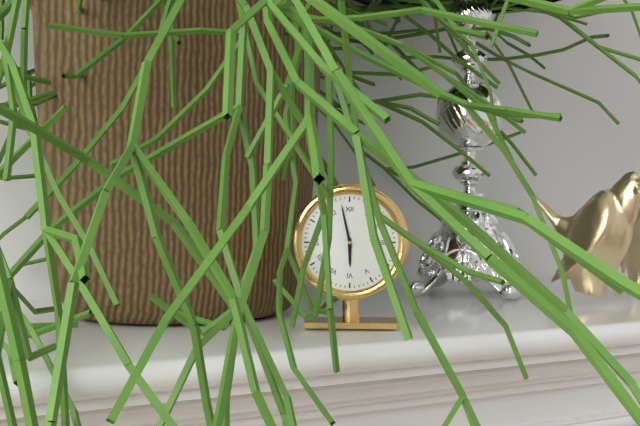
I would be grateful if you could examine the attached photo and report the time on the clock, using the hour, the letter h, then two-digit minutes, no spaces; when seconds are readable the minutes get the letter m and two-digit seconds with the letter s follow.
5h58
